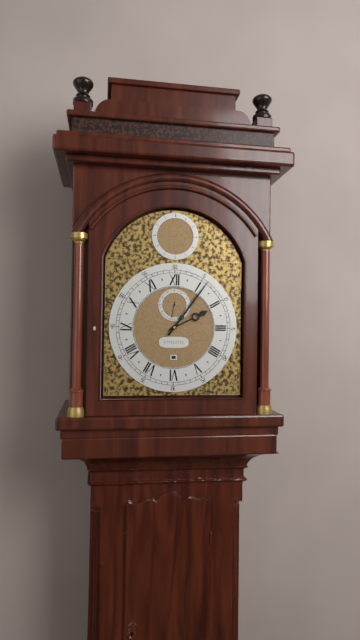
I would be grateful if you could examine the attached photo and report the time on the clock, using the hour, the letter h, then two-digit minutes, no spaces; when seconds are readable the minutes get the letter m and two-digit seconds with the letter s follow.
2h06
